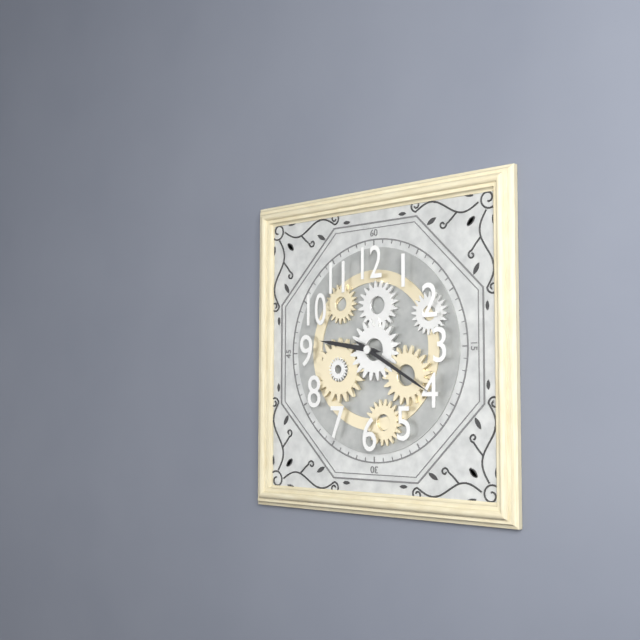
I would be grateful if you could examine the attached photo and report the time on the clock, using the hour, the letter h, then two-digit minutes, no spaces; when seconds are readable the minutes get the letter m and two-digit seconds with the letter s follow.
9h20
